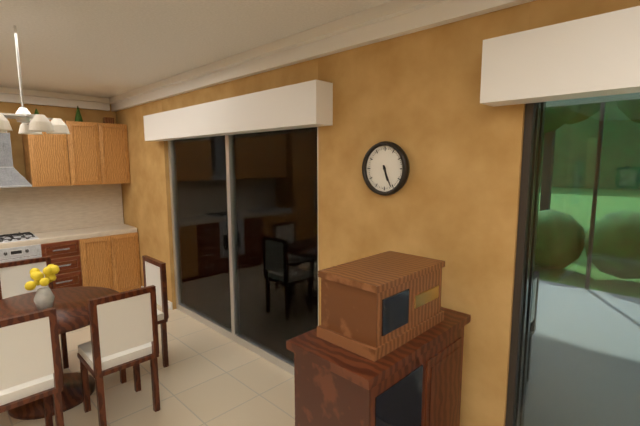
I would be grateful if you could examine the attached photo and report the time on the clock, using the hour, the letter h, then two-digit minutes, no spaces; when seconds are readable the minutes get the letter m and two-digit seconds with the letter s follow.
5h26
